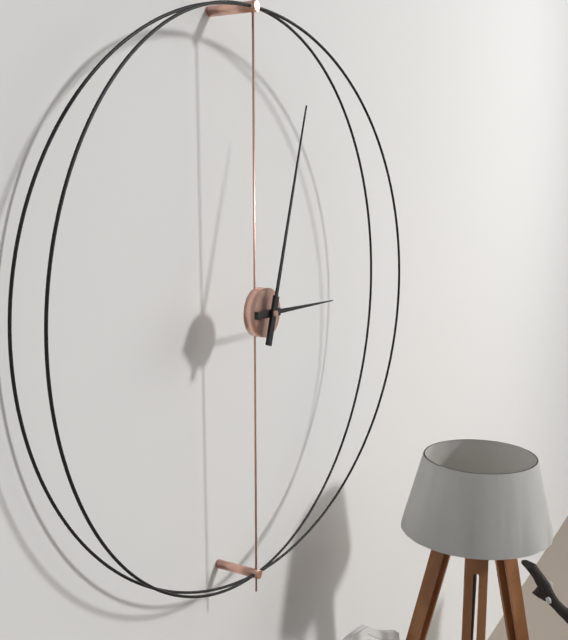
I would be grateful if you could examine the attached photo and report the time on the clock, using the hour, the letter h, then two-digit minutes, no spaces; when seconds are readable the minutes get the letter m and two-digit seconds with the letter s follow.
3h03
